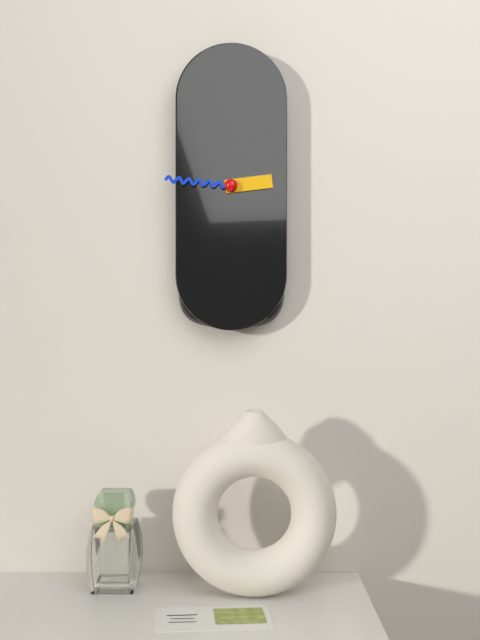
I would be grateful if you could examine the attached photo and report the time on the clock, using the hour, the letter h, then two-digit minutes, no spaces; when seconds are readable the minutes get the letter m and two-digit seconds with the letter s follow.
2h46
